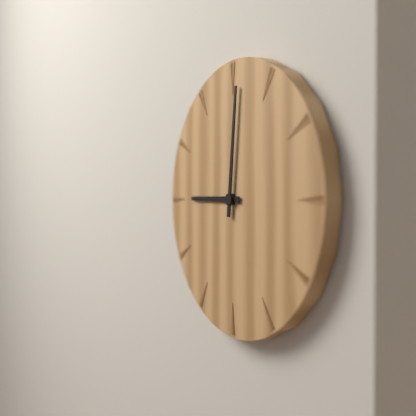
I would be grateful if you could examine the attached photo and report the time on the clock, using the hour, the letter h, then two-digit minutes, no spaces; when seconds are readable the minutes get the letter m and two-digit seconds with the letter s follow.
9h01
